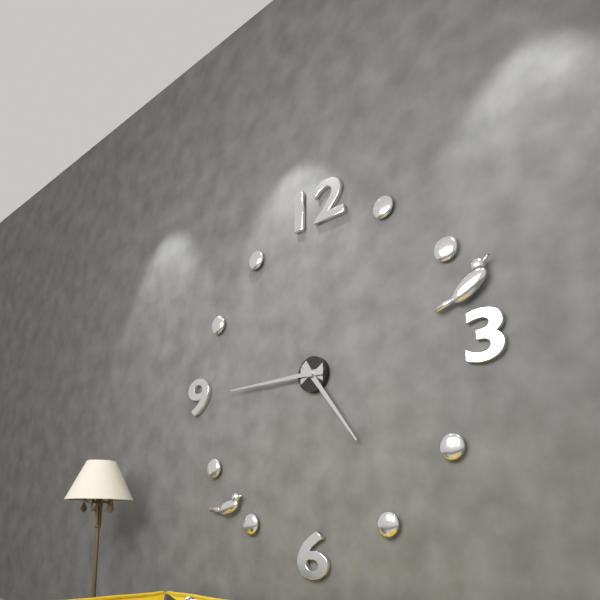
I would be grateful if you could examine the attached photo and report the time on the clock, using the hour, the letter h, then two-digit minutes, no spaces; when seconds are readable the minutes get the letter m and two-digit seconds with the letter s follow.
4h45
